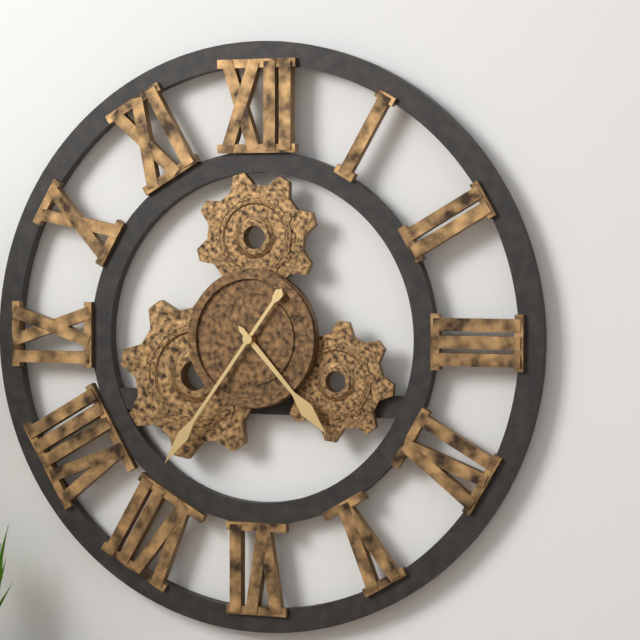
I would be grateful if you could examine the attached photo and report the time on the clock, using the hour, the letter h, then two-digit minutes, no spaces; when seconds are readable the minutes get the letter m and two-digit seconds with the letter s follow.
4h36
